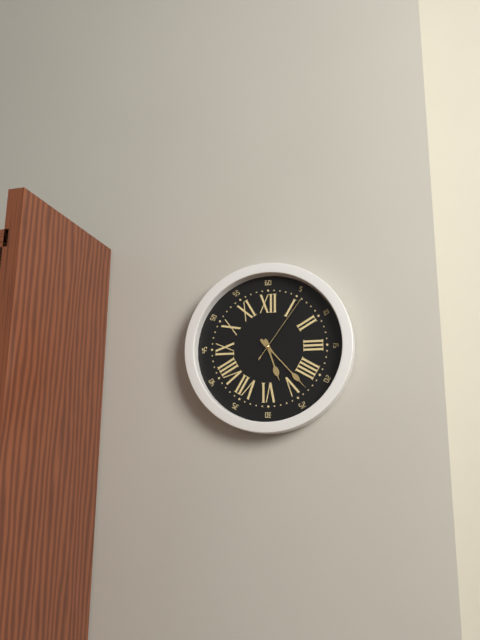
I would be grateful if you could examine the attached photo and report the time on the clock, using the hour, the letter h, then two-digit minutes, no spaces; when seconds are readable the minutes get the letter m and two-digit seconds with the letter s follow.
5h23m06s
